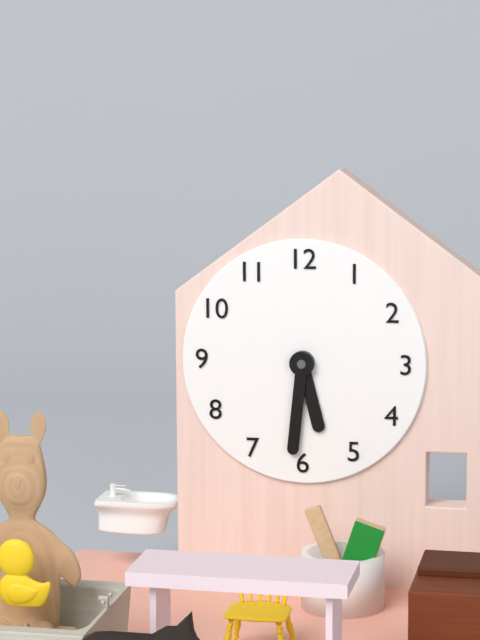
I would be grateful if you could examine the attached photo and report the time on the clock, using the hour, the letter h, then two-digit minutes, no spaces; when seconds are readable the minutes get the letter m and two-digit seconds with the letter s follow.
5h31
